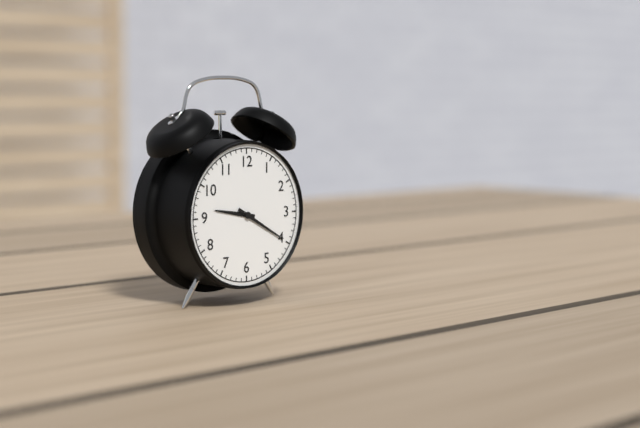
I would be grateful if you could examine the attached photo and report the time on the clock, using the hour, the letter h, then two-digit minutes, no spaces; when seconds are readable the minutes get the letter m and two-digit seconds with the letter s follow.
9h20
